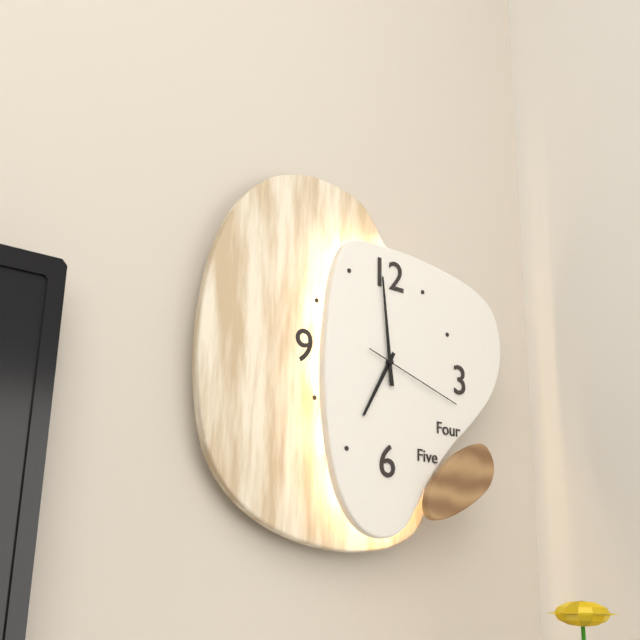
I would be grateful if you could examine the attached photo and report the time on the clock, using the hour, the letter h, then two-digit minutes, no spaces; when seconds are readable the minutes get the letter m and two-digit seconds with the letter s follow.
6h59m18s
